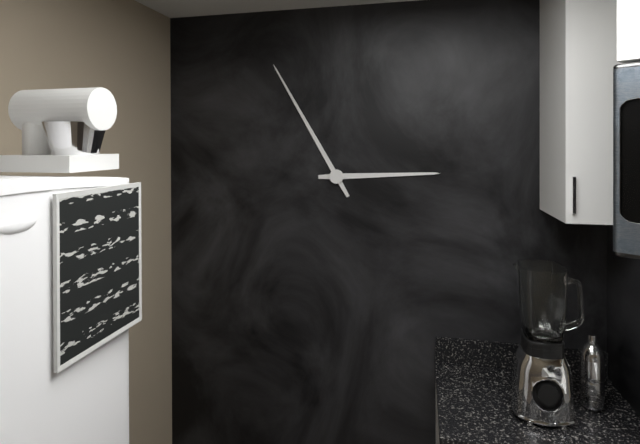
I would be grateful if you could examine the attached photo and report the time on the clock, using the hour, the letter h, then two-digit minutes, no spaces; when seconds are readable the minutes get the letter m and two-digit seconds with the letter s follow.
2h55
